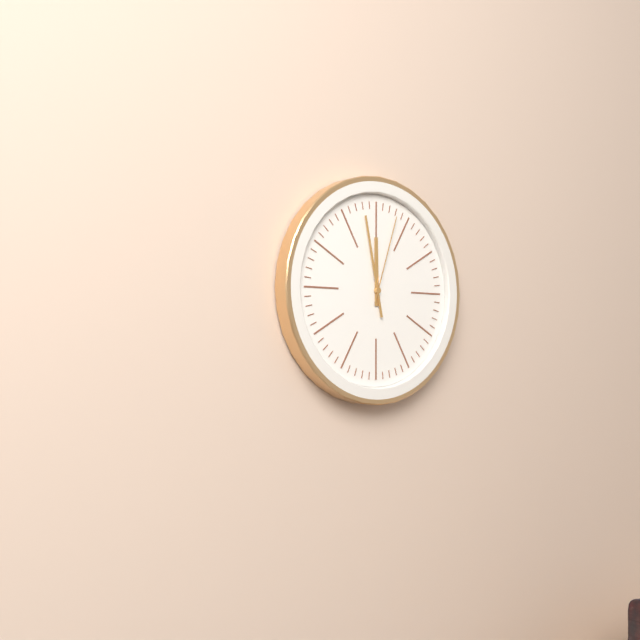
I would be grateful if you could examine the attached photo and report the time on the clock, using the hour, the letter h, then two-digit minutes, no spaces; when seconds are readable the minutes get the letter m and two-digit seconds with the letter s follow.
11h58m03s
